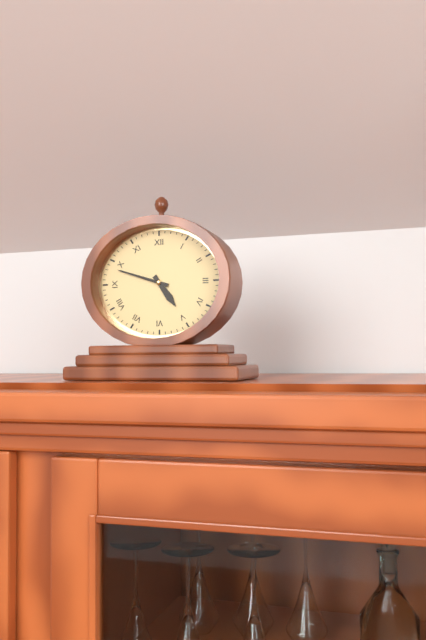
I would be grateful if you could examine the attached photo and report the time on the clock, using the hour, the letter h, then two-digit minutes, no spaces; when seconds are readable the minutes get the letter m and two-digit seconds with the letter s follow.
4h48
